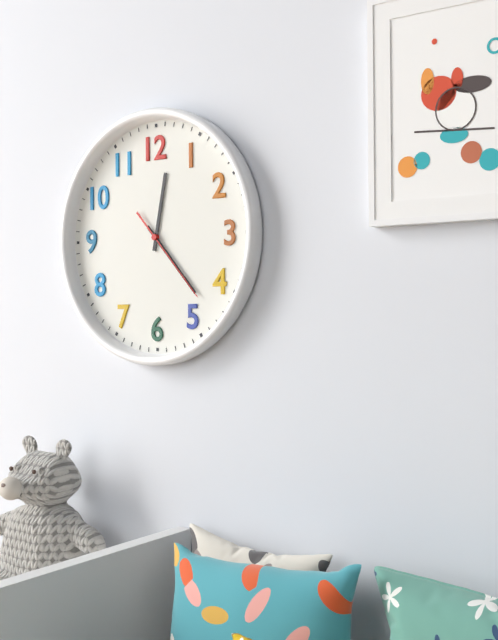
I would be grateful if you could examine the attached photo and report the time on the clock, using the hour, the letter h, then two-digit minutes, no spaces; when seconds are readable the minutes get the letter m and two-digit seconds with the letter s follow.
12h23m23s
